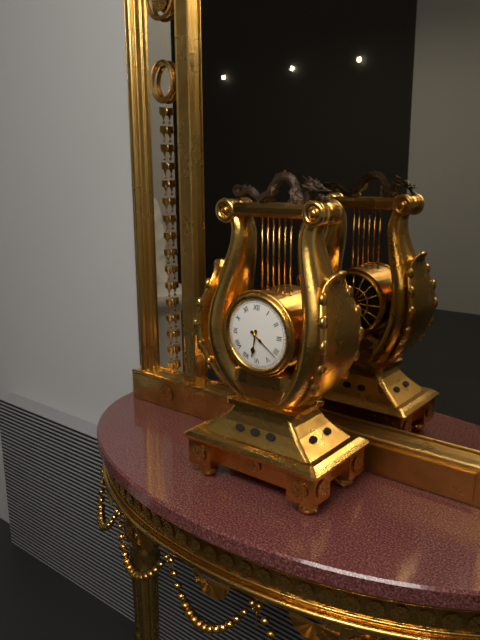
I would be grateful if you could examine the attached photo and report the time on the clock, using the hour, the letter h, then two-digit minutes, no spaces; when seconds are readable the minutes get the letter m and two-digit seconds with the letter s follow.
6h21
